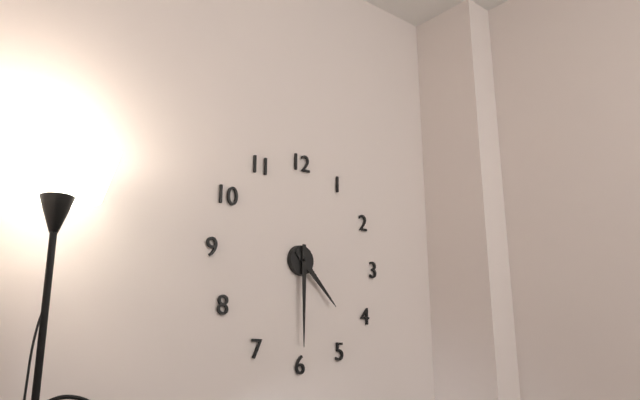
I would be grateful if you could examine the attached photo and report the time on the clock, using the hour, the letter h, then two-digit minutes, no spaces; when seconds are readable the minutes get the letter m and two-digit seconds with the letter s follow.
4h30
